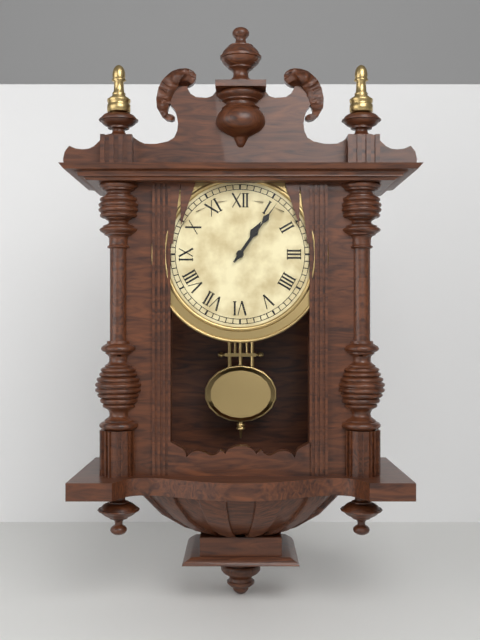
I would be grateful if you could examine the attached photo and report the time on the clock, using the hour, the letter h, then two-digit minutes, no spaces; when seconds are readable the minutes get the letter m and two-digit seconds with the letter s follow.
1h06
